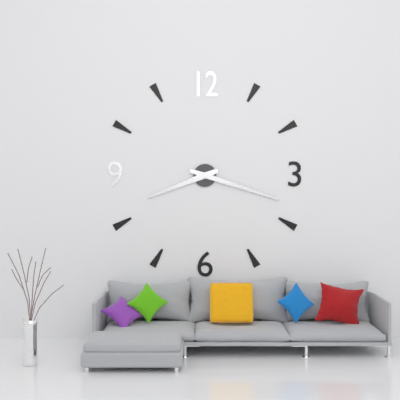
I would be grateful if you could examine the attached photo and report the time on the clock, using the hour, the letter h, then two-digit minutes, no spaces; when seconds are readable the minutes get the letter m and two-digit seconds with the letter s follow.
8h18
